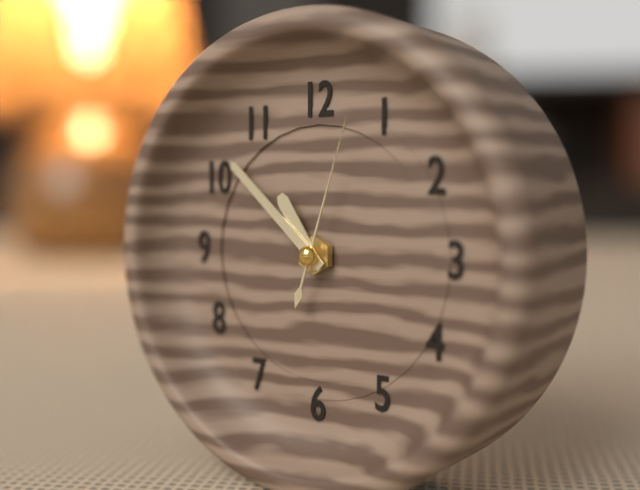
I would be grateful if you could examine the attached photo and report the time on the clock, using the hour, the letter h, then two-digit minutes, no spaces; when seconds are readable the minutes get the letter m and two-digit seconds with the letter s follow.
10h52m03s
